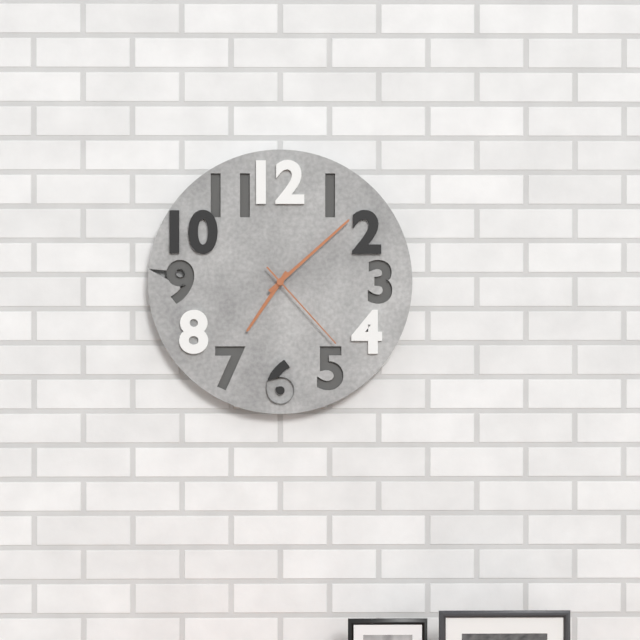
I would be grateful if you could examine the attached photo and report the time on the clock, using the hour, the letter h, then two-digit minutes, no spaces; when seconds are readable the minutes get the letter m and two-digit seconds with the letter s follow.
7h08m23s
